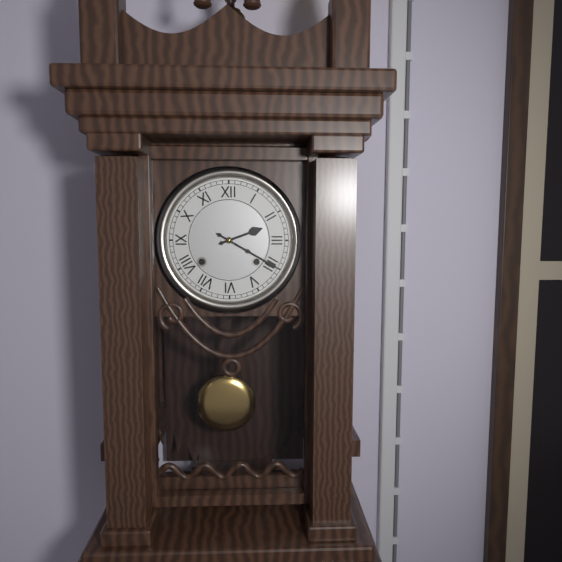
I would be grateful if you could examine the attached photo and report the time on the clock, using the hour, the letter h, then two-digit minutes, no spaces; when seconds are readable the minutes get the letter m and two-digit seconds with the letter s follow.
2h20
